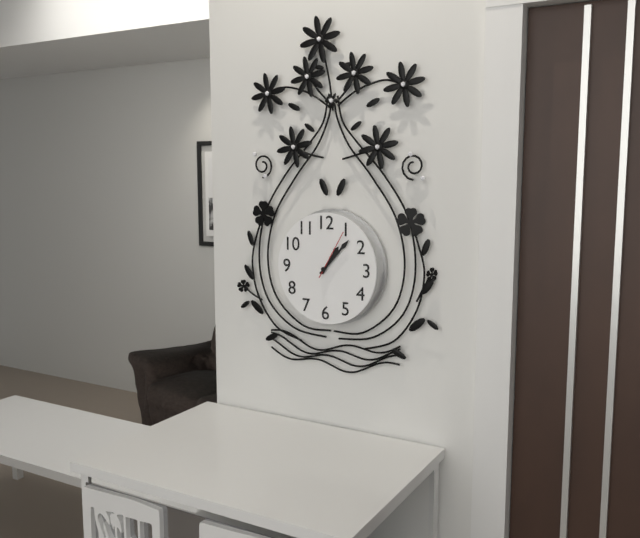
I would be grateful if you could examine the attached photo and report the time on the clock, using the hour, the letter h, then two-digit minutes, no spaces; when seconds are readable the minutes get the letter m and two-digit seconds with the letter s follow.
1h07m05s
